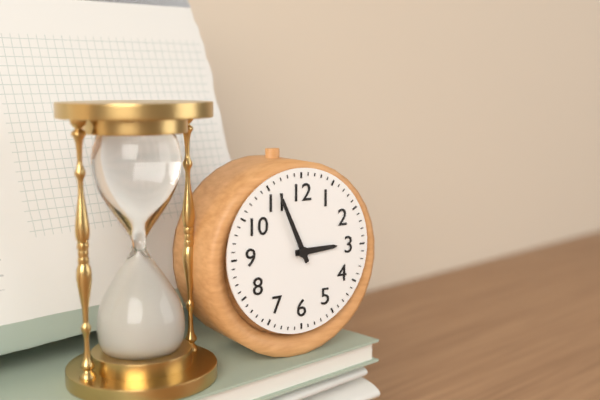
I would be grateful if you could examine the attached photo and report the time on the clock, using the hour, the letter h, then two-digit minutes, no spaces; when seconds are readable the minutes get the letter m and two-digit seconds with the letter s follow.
2h56
